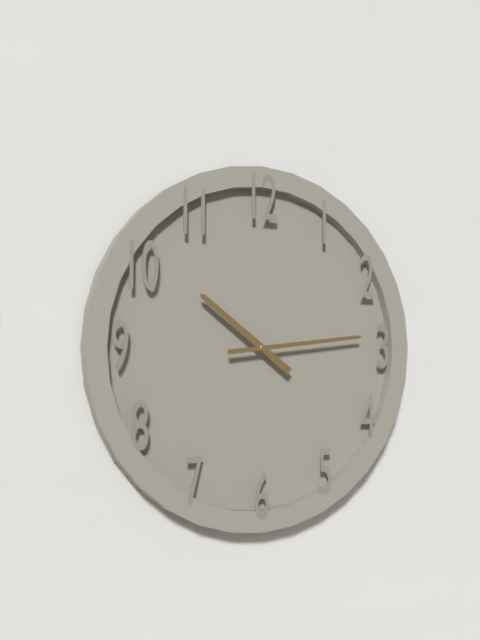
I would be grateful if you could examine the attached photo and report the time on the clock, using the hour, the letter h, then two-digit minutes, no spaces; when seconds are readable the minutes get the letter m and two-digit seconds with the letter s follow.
10h14
